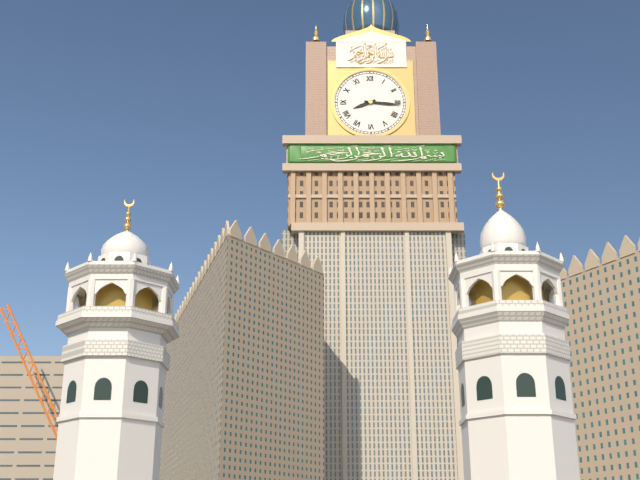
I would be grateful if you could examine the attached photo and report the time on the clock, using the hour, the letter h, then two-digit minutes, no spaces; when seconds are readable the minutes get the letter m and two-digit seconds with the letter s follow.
8h16
